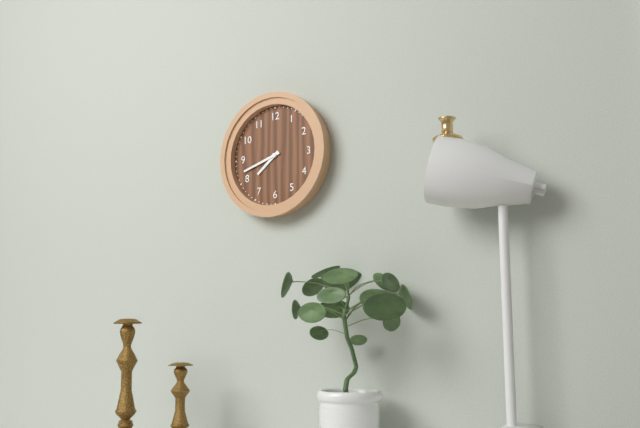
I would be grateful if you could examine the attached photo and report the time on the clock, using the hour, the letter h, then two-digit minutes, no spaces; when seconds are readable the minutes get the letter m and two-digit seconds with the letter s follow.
7h42
